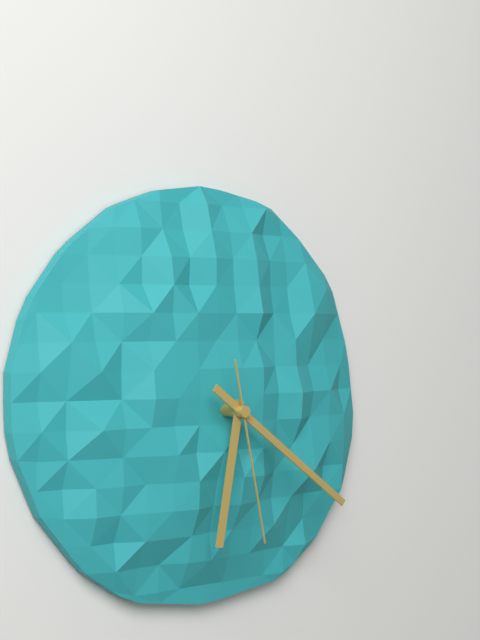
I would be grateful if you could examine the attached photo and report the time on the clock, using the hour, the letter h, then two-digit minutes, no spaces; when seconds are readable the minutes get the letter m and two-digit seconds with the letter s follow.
6h21m28s
